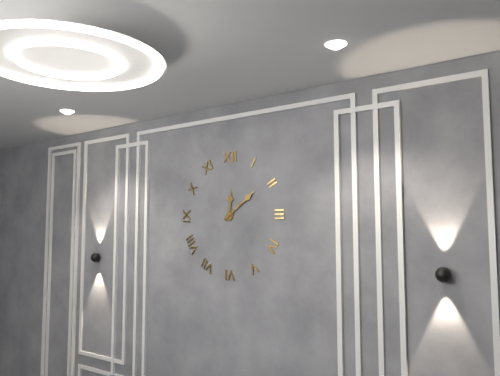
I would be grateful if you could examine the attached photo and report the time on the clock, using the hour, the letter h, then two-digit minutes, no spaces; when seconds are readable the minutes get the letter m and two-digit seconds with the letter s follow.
12h09
